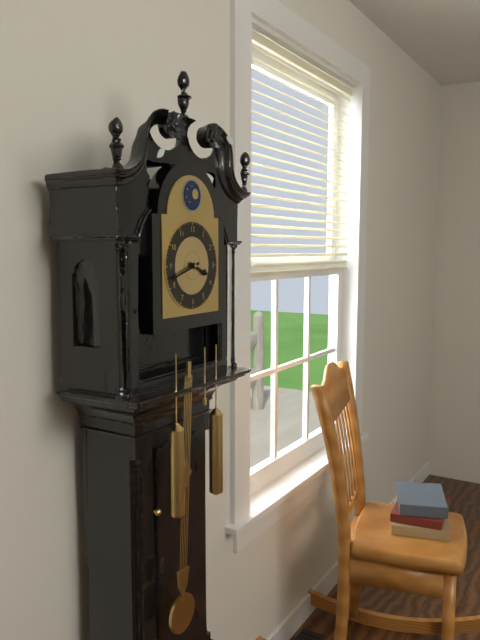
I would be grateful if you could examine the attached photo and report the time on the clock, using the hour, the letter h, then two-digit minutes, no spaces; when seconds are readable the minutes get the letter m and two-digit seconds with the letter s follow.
3h42
